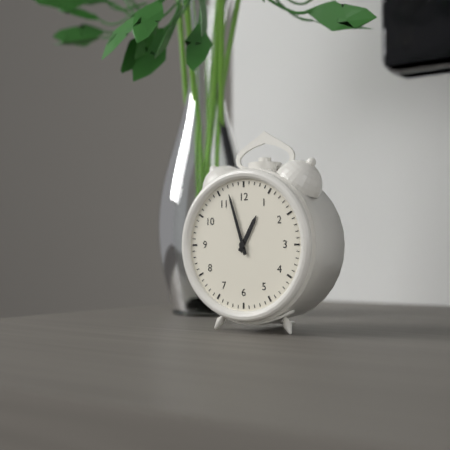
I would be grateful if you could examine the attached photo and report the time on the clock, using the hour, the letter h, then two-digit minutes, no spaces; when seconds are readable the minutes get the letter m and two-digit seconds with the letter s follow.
12h57
